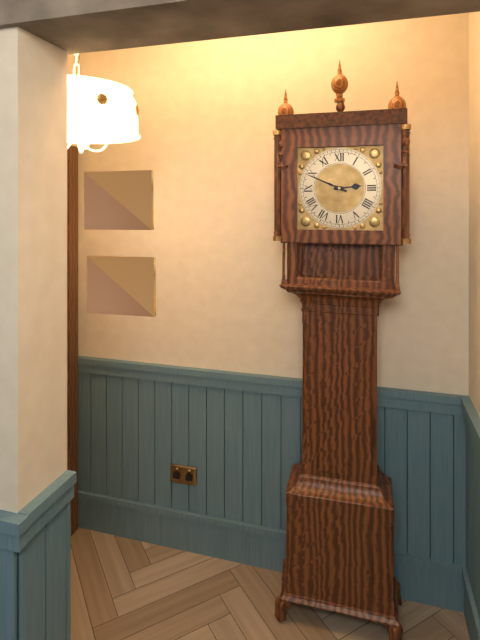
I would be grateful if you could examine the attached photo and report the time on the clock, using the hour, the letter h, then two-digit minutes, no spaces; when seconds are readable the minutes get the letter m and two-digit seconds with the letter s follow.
2h49
